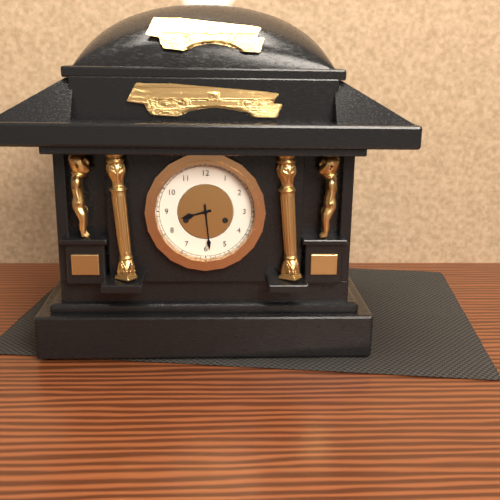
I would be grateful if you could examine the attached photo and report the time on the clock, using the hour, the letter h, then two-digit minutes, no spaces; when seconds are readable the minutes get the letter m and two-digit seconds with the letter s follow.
8h29
